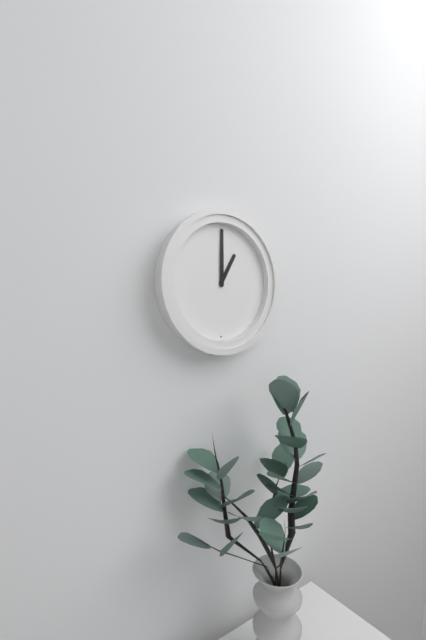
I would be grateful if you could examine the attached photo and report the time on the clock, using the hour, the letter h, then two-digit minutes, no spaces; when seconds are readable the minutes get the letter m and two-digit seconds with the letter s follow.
1h00
